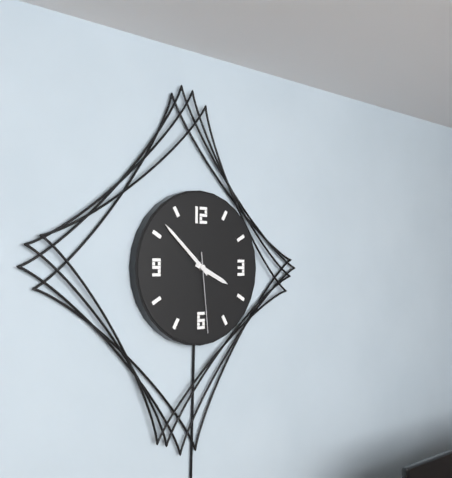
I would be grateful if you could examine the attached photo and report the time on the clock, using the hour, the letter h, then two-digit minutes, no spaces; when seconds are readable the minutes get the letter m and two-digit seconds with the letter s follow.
3h52m29s
